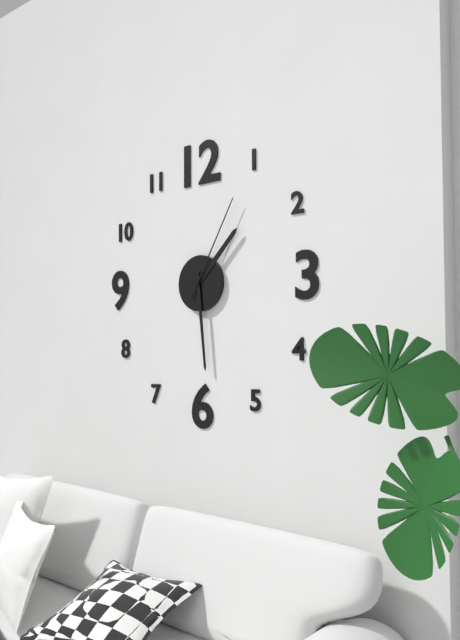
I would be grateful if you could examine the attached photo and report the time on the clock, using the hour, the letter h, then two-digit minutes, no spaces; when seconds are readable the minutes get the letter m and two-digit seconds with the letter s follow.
1h29m05s
